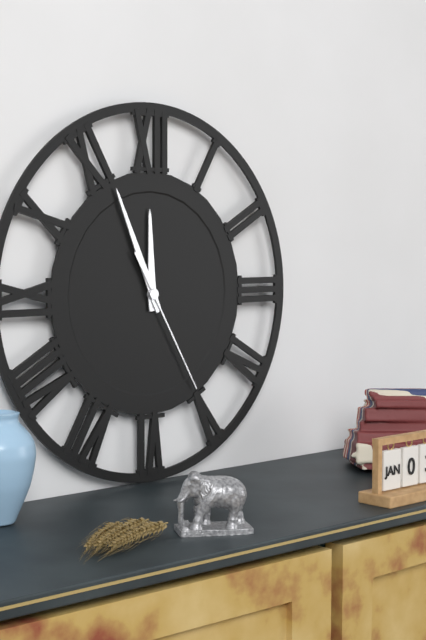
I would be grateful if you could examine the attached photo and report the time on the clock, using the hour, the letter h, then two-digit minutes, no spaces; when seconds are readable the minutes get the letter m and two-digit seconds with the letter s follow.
11h56m25s
